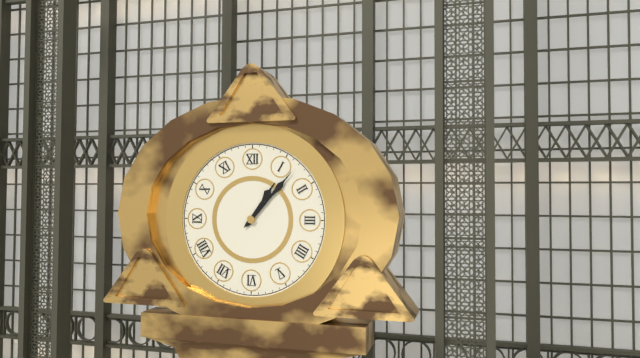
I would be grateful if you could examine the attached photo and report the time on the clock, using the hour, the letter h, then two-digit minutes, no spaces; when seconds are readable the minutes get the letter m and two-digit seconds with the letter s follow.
1h07
